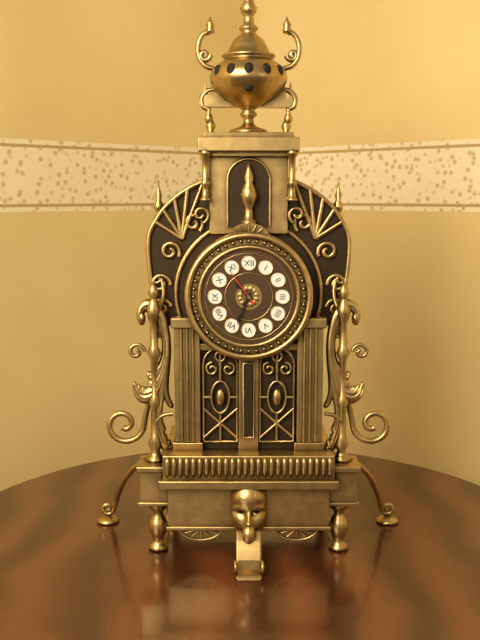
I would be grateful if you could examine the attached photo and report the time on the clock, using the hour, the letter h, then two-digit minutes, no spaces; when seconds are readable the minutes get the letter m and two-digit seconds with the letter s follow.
10h34
